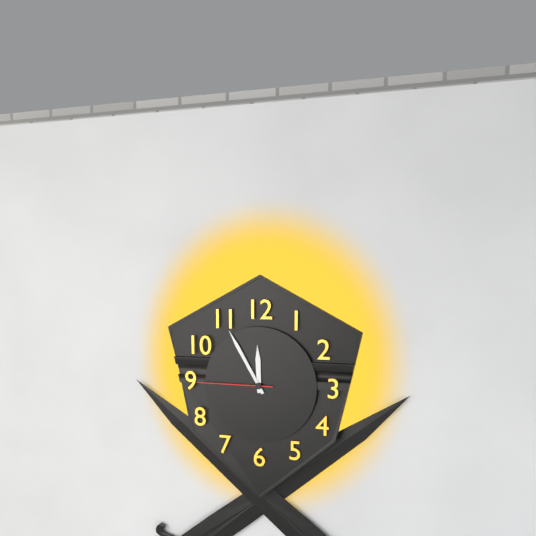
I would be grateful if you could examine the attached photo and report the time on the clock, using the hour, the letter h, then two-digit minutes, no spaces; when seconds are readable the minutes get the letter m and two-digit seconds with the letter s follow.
11h55m45s
